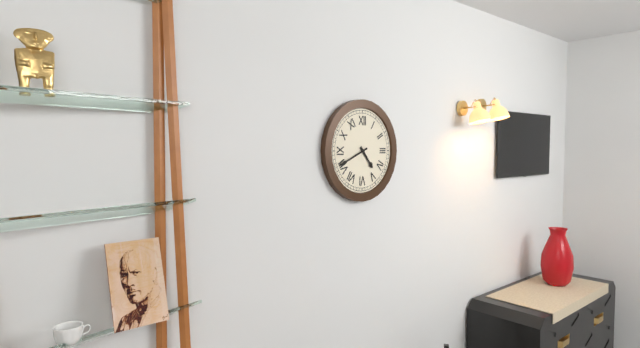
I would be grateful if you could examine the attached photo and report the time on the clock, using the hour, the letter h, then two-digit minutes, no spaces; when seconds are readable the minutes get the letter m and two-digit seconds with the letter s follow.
4h41
